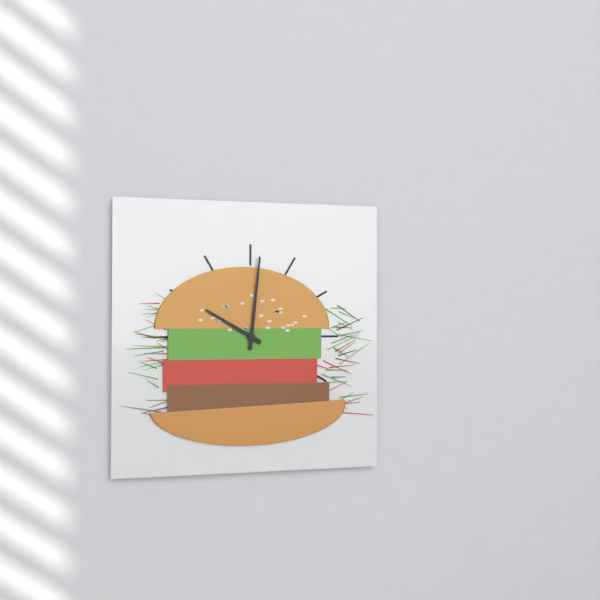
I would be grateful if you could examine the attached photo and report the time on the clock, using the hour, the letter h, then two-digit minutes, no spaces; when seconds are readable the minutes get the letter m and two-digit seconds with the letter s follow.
10h01
